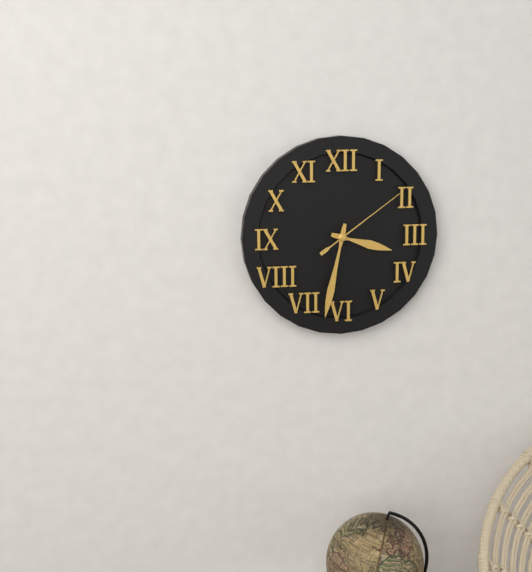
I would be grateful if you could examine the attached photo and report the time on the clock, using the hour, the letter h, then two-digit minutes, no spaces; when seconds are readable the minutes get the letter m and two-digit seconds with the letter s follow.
3h32m09s
